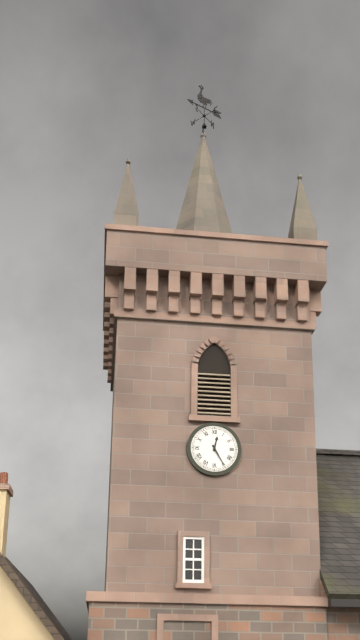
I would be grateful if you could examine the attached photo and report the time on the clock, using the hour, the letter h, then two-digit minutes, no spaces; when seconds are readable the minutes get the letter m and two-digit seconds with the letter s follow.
12h25
